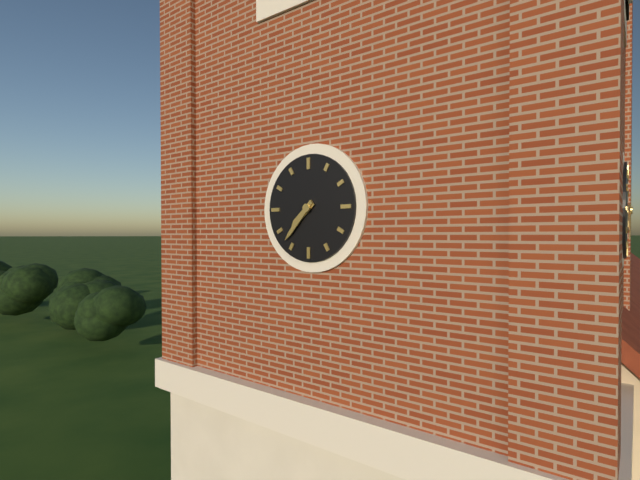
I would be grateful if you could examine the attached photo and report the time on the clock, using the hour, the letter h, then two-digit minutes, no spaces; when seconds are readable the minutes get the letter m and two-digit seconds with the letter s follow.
7h37
